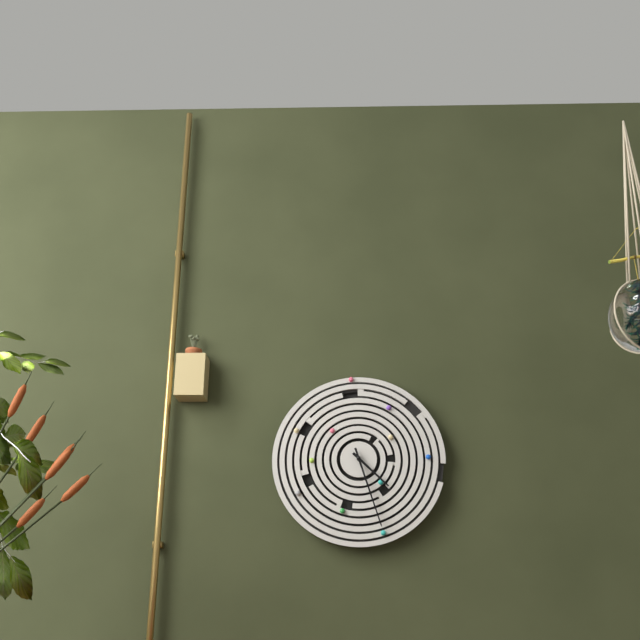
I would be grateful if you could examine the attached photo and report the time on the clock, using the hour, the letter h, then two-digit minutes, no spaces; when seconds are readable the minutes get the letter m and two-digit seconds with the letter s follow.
4h27
